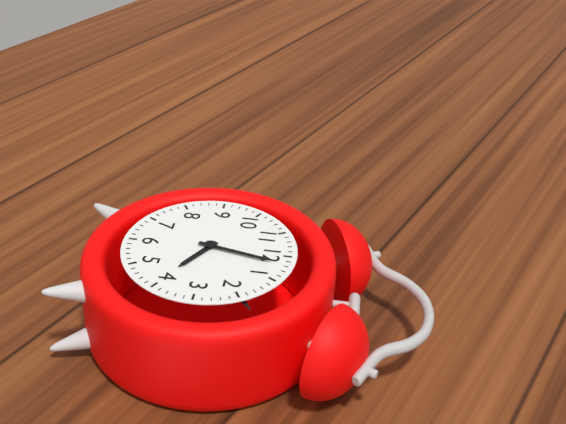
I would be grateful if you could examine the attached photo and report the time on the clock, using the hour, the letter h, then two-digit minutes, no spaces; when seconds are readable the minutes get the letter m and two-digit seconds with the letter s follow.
4h02
